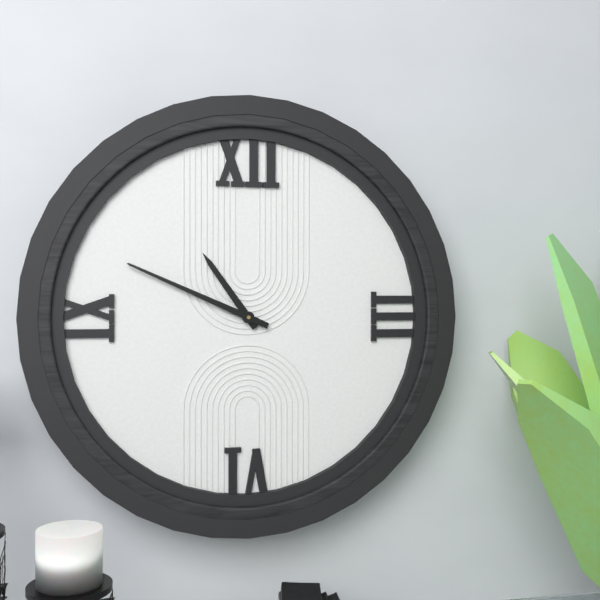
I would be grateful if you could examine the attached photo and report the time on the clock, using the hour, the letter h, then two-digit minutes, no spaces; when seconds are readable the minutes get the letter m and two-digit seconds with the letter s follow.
10h49
